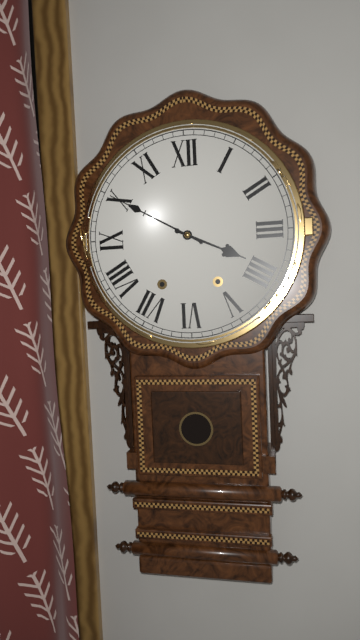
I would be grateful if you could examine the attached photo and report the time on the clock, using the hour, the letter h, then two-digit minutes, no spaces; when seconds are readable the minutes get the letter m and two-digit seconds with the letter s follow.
3h50
